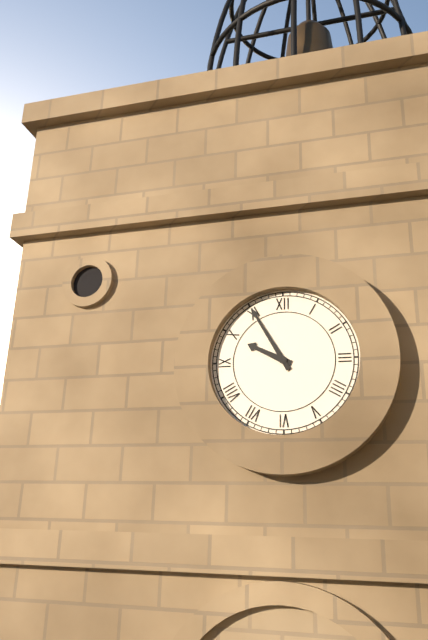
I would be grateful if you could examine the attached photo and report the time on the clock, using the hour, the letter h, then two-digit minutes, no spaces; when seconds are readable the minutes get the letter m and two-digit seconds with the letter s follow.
9h55
